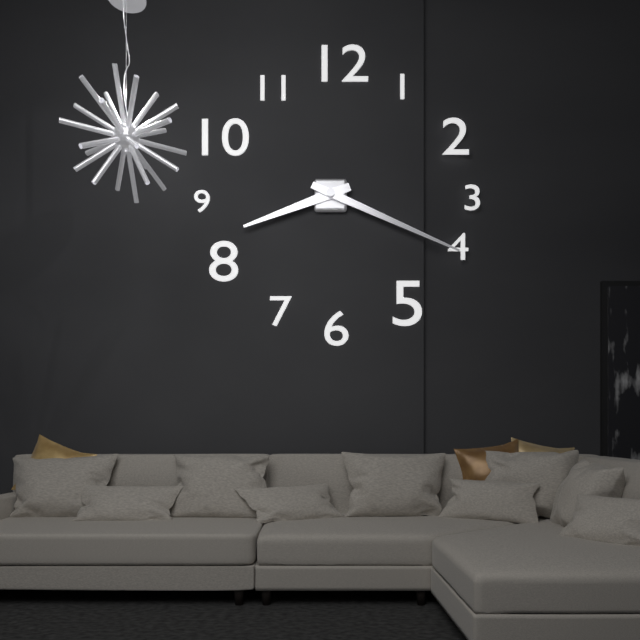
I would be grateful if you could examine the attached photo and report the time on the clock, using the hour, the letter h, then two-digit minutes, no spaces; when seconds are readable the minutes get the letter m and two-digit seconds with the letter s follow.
8h19
